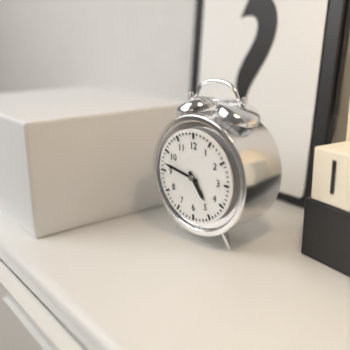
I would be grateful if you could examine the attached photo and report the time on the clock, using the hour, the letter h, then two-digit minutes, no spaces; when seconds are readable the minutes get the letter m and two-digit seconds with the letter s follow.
4h47
